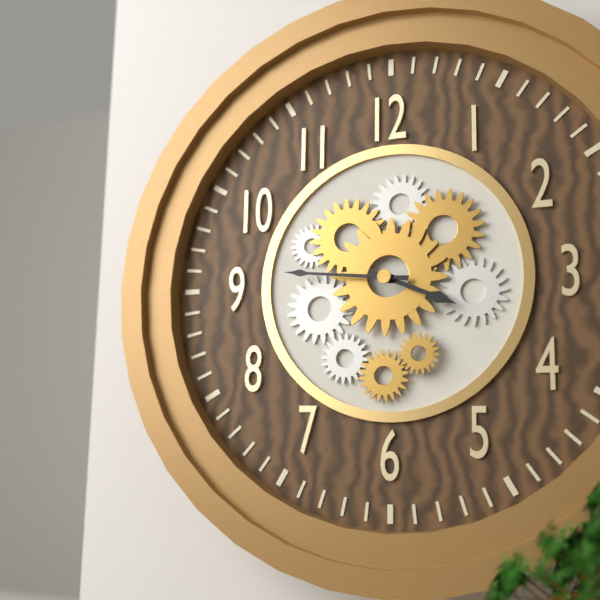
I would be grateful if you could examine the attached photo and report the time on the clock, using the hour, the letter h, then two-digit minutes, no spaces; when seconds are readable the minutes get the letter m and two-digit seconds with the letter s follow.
3h46
